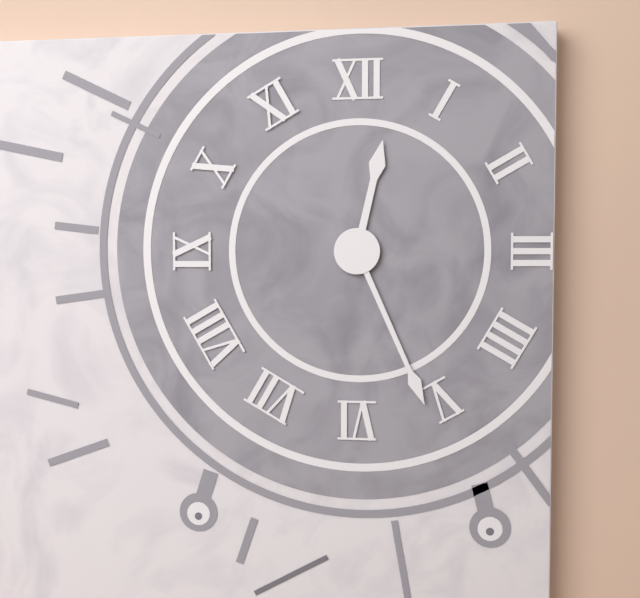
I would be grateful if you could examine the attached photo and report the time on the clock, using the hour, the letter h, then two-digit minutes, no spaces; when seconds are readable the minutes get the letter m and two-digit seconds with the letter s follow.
12h26
